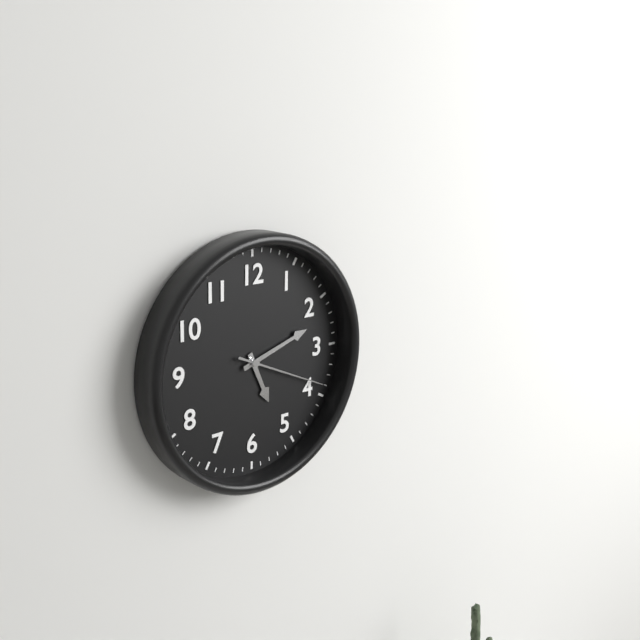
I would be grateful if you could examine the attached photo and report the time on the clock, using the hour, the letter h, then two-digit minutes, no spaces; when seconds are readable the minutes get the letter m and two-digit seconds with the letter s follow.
5h12m19s
